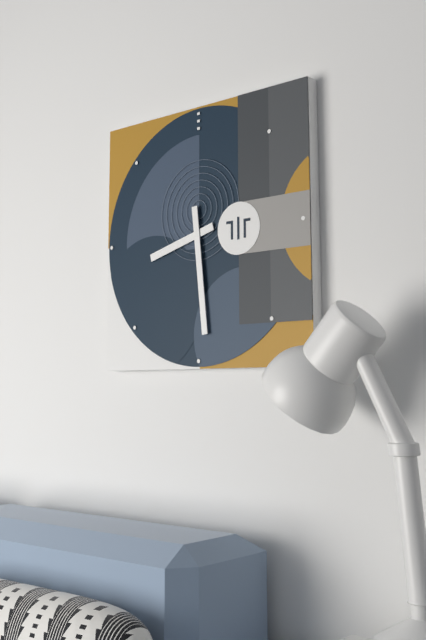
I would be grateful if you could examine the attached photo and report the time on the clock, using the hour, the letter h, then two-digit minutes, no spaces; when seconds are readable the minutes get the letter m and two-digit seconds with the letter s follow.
8h29
